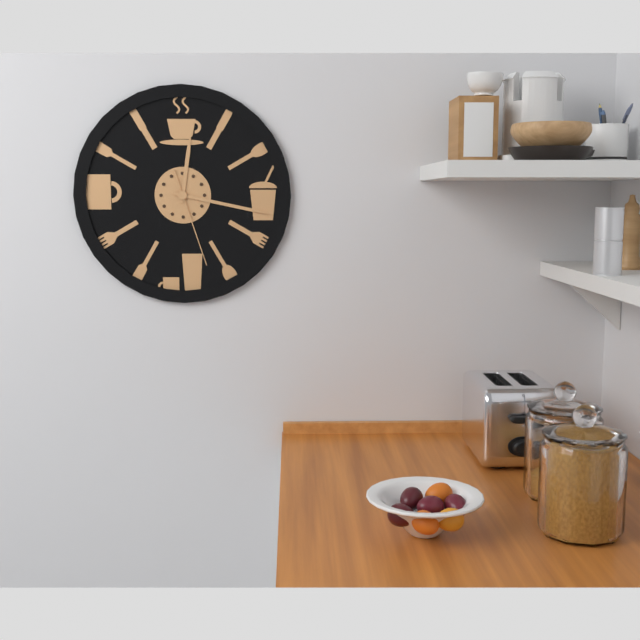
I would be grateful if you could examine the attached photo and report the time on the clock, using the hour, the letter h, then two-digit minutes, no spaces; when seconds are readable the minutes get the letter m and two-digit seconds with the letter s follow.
12h17m27s
